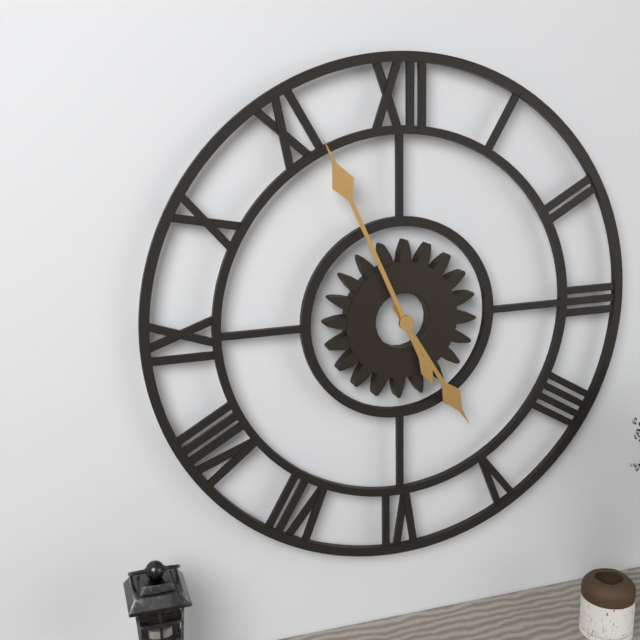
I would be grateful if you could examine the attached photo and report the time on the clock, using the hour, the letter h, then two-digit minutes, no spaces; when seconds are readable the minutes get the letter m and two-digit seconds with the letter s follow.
4h56
